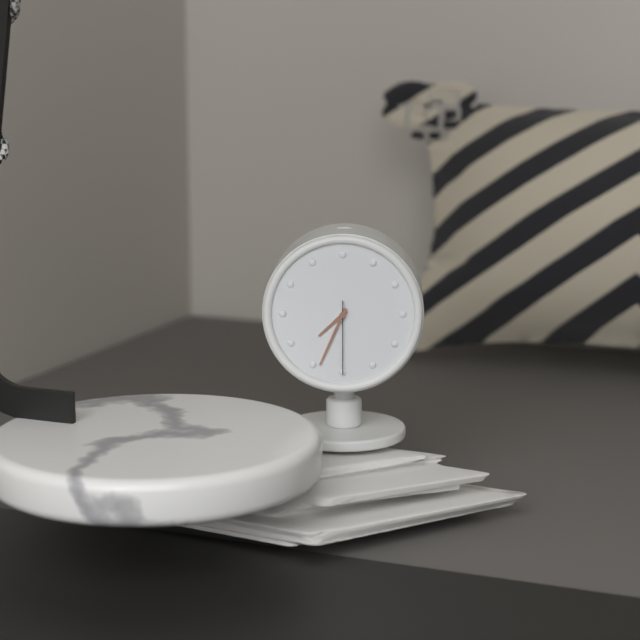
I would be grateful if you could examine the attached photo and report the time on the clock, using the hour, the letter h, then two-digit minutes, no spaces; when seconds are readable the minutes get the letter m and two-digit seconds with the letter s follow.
7h34m30s
